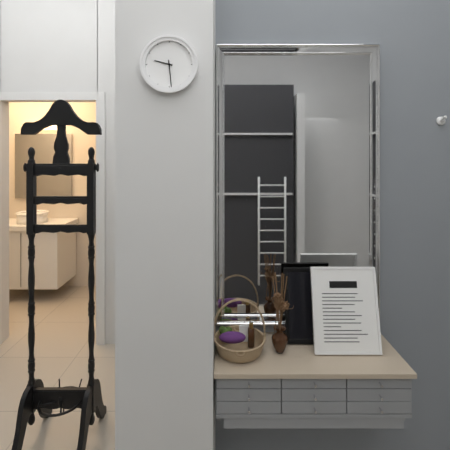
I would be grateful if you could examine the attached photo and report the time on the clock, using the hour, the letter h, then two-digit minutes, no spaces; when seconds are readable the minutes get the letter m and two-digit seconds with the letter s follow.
9h29
